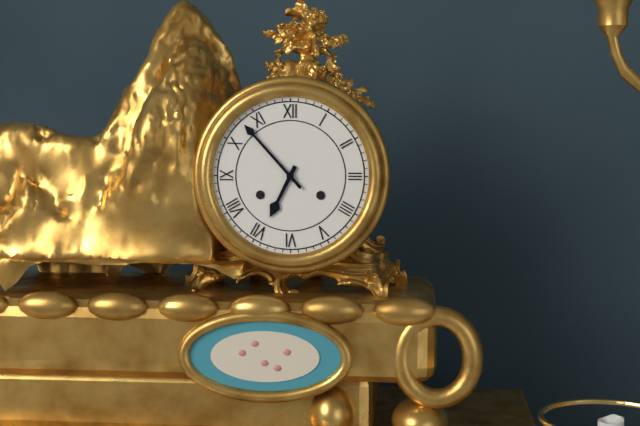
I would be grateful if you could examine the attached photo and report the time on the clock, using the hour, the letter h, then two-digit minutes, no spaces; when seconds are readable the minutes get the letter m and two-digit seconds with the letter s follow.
6h53
